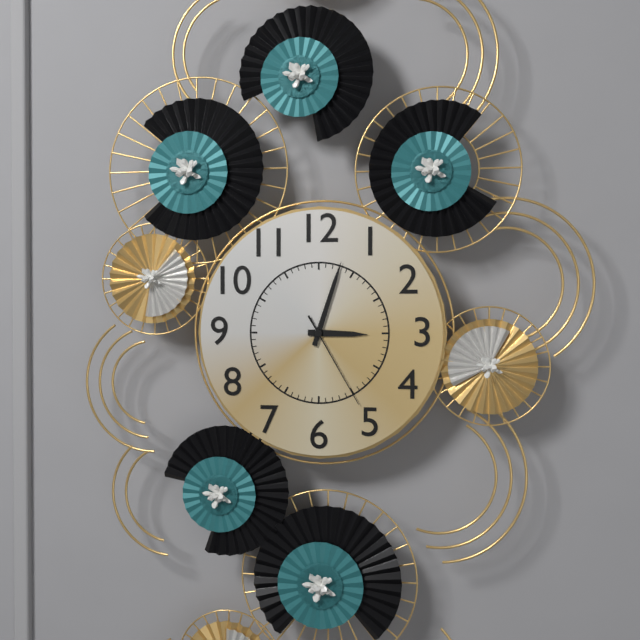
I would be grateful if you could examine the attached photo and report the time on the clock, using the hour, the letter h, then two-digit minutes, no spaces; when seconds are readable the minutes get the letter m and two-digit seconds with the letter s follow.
3h03m25s
